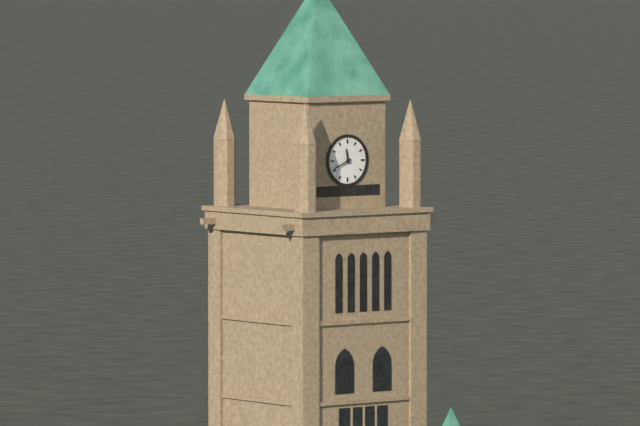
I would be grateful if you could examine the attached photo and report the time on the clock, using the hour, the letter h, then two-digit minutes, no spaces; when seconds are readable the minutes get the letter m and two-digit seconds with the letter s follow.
11h41
